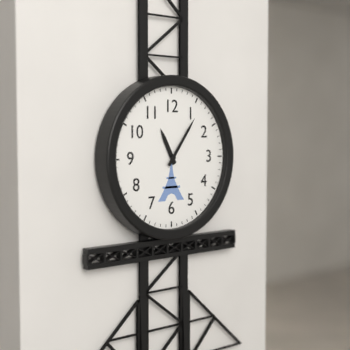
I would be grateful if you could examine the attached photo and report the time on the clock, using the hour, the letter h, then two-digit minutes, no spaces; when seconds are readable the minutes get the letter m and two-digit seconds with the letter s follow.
11h06
